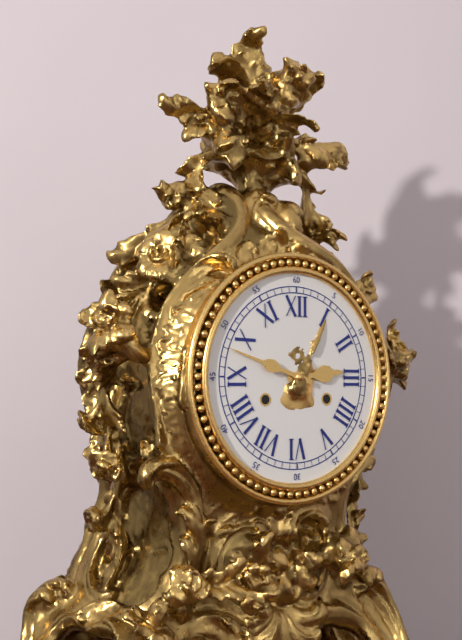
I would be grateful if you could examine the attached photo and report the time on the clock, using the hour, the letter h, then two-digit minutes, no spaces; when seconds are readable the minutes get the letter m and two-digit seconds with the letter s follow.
2h48
